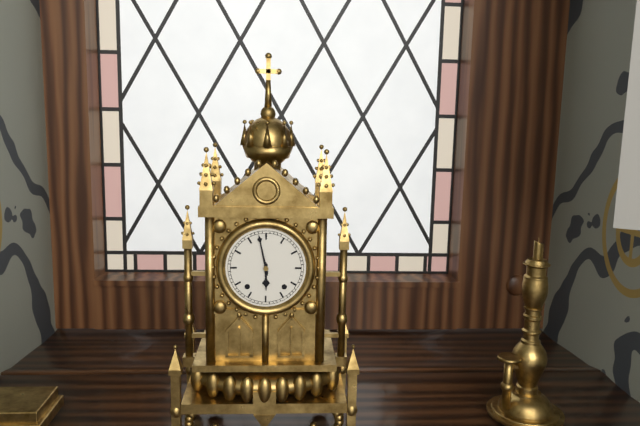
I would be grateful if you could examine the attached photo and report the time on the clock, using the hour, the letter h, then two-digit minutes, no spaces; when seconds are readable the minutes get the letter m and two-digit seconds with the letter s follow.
5h58
